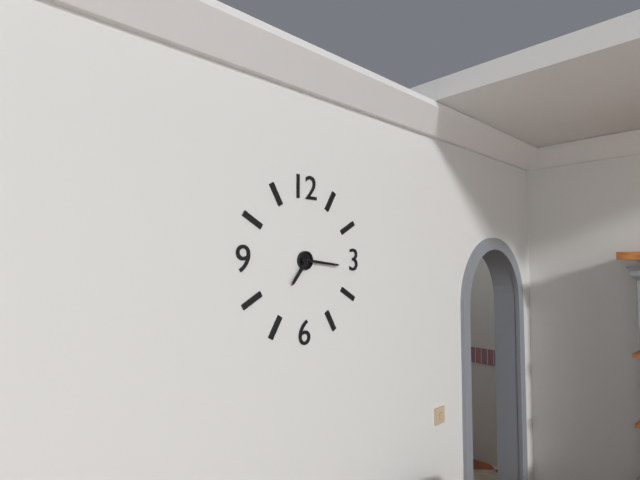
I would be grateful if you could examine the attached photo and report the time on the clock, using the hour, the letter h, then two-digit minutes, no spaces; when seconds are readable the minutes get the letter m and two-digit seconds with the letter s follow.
7h16
